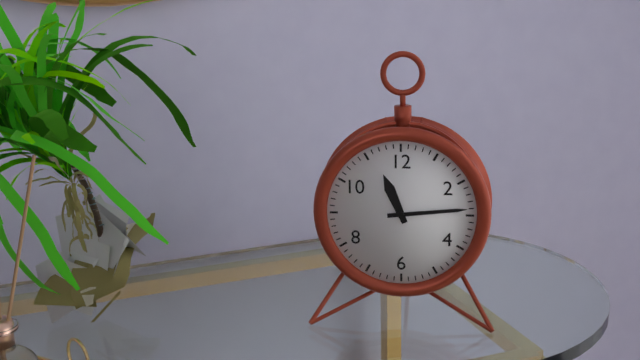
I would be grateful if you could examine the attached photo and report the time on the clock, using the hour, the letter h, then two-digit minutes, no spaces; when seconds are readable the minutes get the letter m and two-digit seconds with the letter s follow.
11h14
